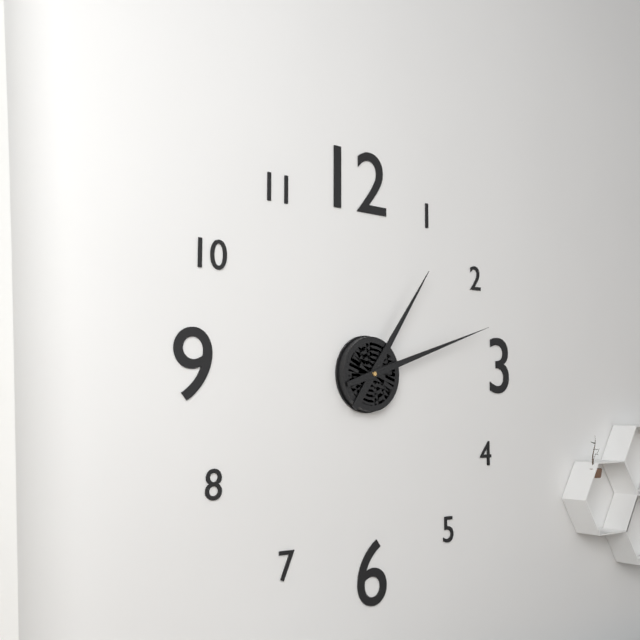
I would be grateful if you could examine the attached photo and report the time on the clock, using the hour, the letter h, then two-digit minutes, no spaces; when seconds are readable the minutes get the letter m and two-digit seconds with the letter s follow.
1h12
